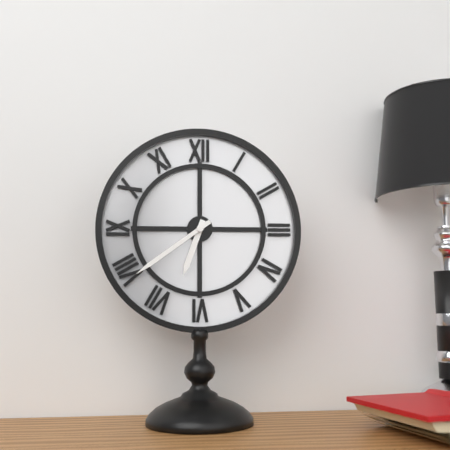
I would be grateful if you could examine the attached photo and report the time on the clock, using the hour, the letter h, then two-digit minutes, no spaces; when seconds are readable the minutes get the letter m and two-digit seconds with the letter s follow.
6h39
